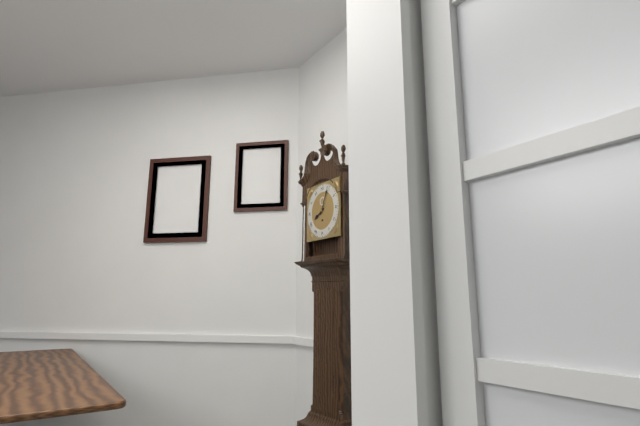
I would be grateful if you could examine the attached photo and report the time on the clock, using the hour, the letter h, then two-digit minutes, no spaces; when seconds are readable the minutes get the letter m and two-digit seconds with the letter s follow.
8h04
